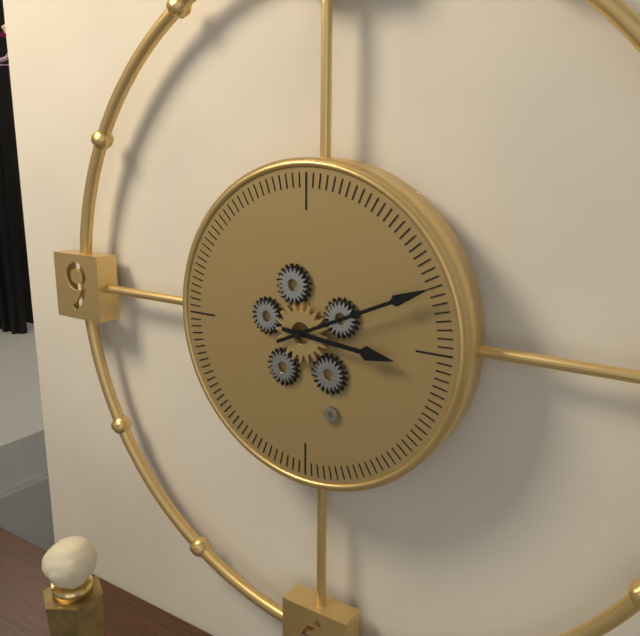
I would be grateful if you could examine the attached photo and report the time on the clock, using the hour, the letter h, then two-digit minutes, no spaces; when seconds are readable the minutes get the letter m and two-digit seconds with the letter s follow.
3h11
